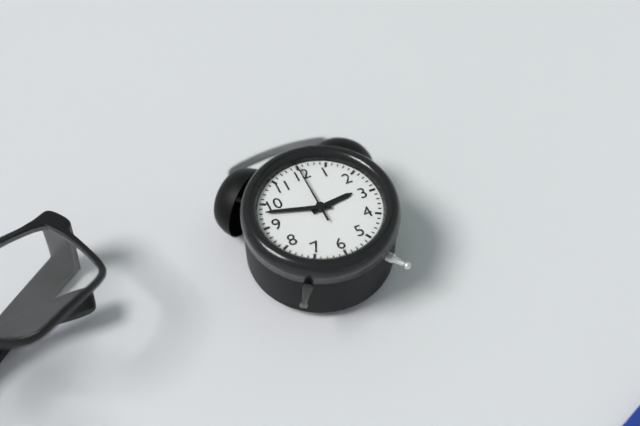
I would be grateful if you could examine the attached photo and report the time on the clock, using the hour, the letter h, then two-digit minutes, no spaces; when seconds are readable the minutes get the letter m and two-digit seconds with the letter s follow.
2h48m00s
